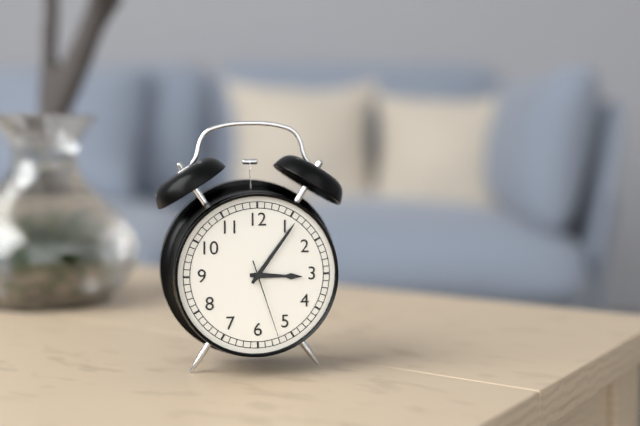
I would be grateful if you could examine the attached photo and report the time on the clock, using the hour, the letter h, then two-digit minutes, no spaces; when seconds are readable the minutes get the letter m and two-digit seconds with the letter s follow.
3h06m27s
